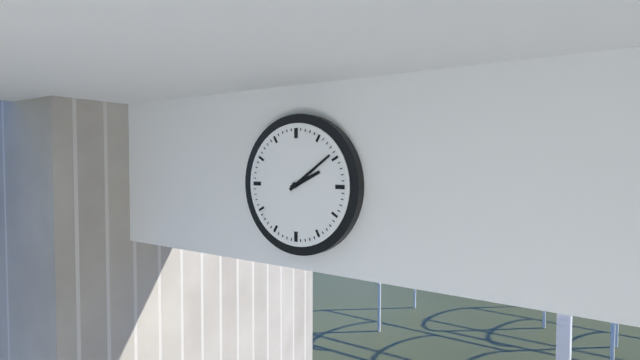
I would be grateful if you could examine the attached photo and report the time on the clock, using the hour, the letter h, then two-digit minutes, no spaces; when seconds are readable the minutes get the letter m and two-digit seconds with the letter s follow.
2h09
